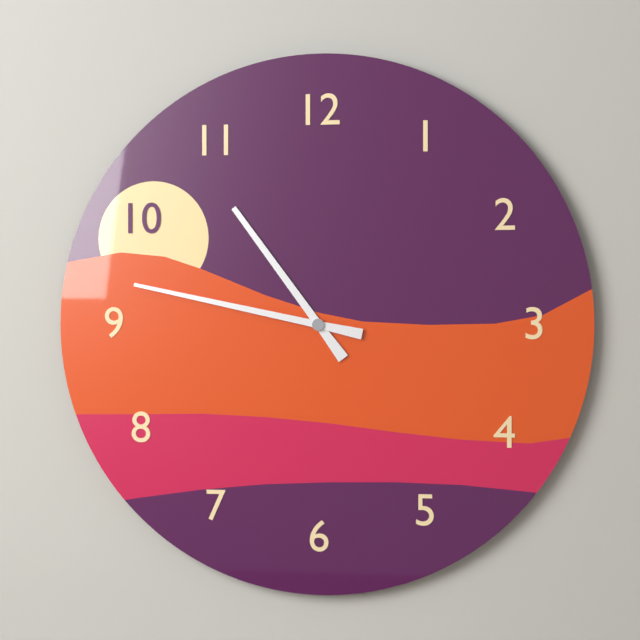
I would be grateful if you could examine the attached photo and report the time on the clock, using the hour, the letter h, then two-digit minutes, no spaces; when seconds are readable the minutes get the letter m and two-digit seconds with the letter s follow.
10h47
